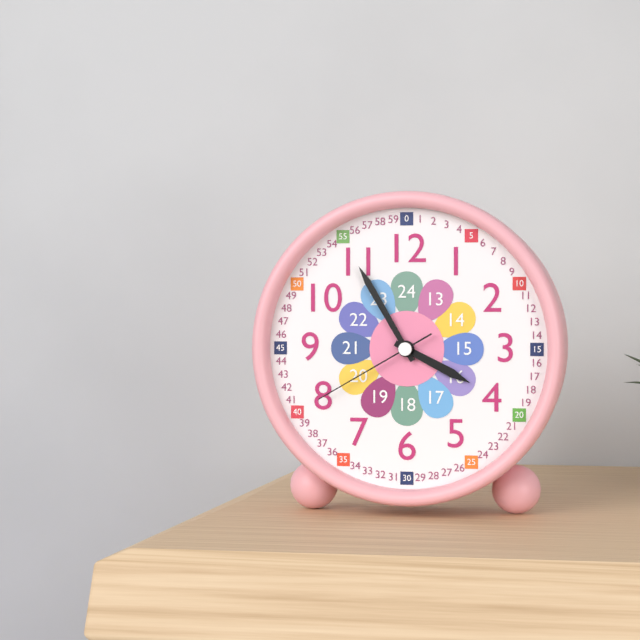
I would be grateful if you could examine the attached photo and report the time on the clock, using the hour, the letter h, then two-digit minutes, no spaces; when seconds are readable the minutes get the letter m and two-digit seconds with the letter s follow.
3h55m40s
